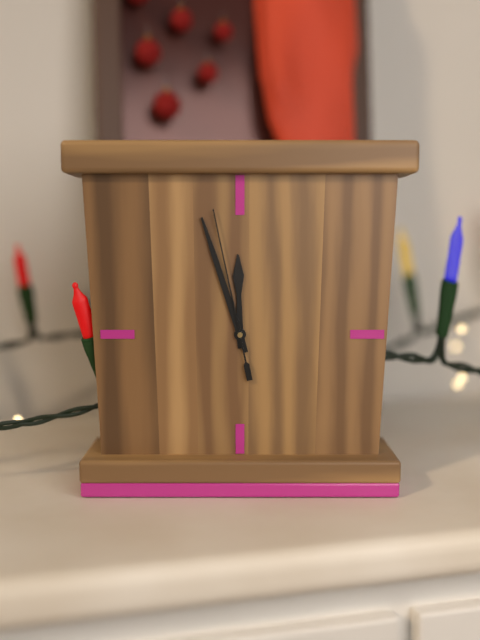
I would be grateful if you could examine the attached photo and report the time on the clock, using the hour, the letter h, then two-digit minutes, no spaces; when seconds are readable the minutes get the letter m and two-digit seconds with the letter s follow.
11h57m58s
